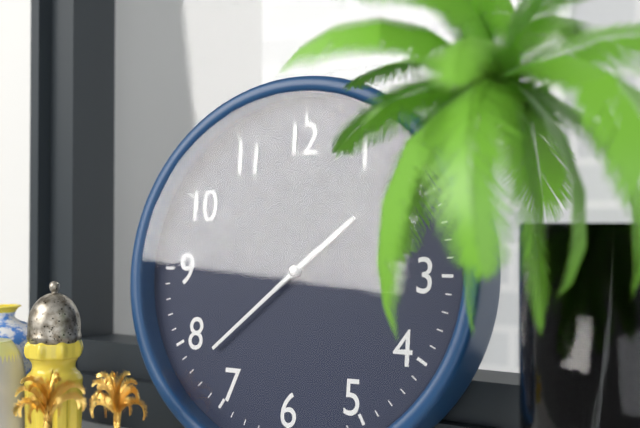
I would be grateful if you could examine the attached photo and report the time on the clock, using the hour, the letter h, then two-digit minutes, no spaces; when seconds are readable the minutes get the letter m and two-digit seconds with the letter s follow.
1h38
